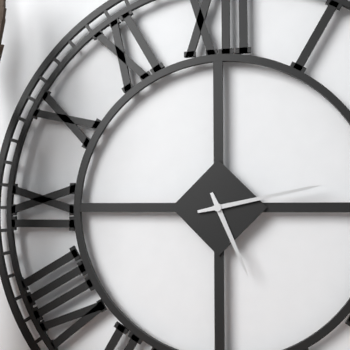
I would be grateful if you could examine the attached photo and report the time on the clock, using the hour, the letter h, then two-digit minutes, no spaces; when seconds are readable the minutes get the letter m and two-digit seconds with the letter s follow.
5h13
